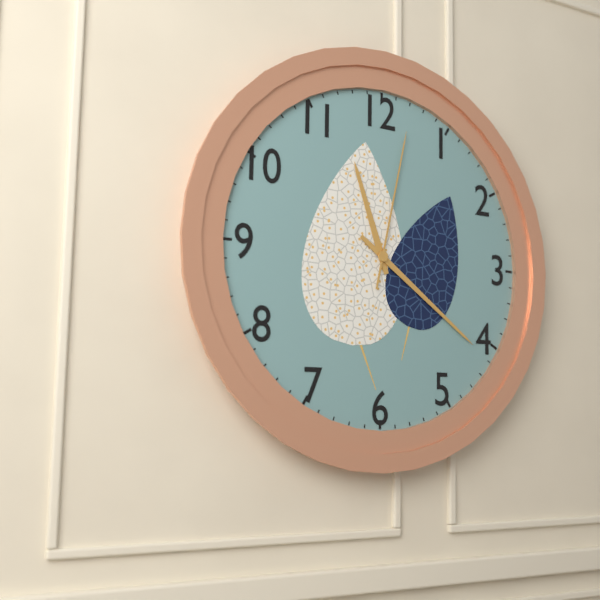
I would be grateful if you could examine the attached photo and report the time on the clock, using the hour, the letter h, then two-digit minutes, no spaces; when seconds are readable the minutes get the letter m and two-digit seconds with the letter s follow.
11h21m02s
